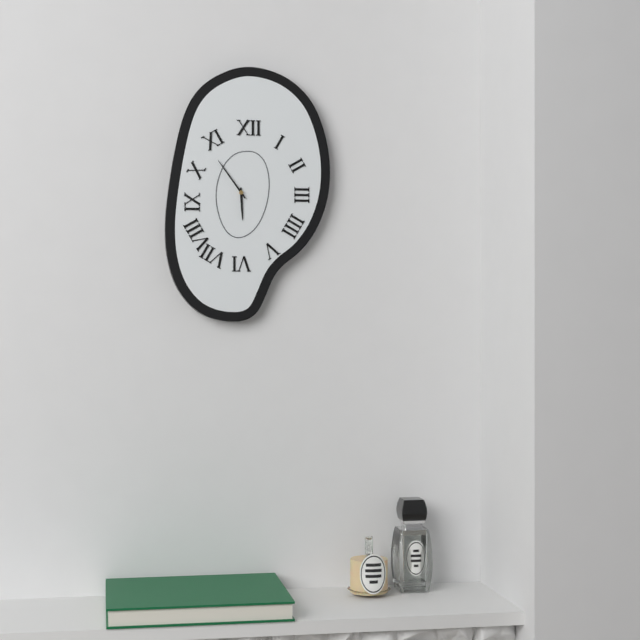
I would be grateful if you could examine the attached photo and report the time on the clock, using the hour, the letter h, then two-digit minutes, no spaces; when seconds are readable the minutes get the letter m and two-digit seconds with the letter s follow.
5h54
